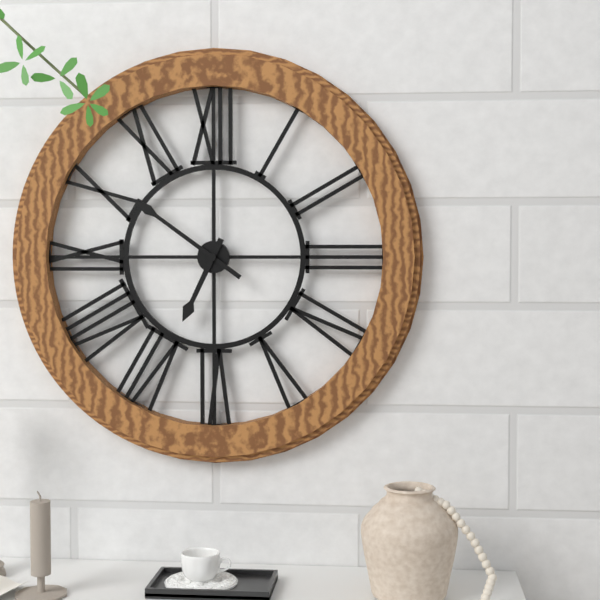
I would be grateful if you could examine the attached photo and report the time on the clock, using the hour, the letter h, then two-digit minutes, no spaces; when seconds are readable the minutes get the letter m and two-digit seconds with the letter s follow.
6h51
